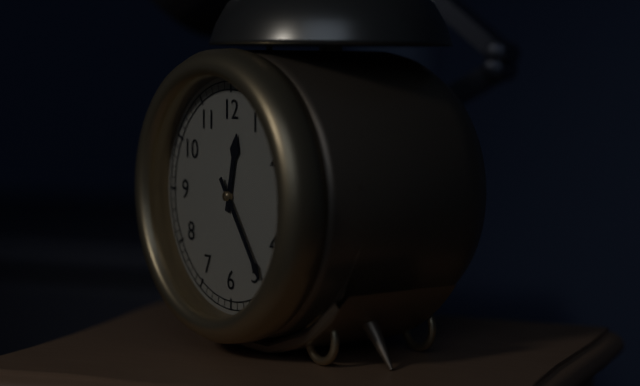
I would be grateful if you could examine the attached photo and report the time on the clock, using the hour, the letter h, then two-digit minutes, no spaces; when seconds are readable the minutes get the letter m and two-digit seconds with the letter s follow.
12h24
